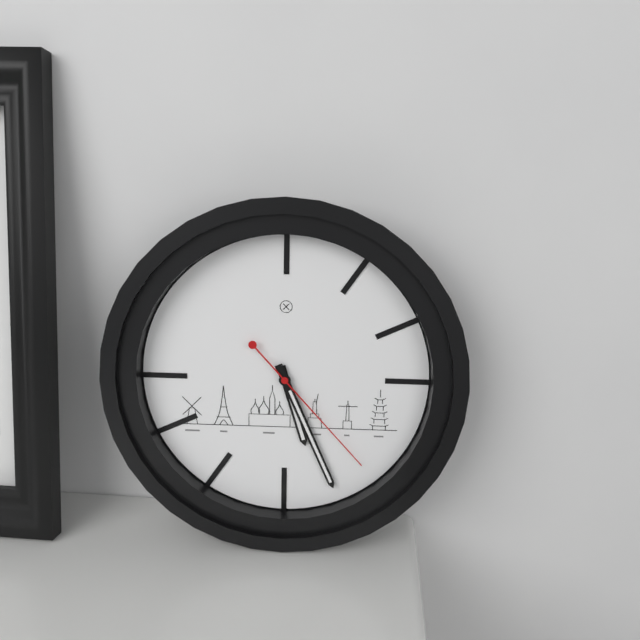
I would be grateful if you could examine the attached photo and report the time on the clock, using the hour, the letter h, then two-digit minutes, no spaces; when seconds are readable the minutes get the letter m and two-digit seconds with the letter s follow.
5h26m23s
